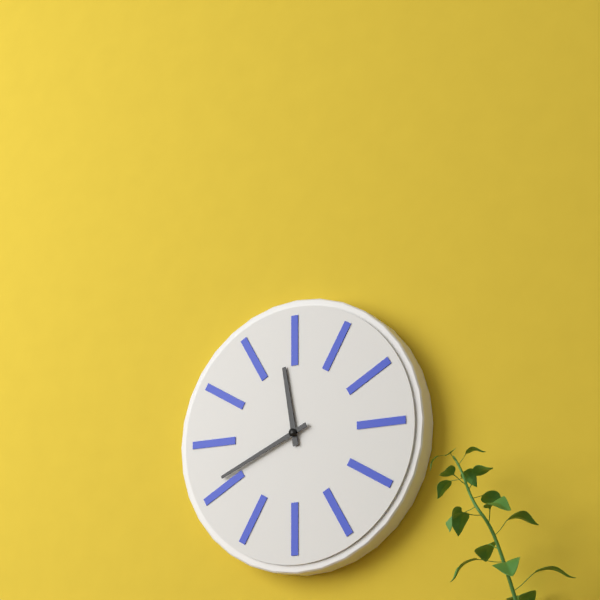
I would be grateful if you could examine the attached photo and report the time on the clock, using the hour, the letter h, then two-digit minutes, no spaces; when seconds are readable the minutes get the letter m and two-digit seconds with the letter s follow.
11h41
